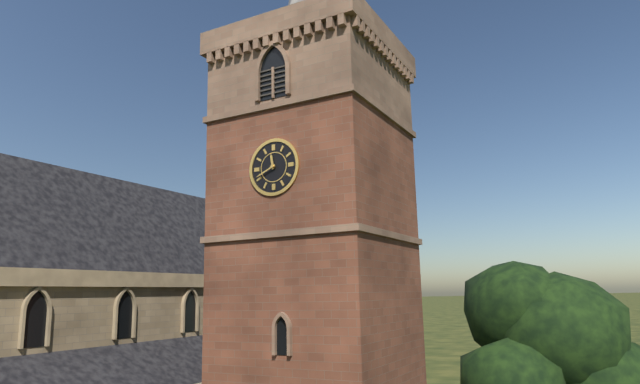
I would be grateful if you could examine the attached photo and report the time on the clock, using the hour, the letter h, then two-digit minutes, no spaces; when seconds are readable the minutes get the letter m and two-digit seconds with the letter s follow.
11h41
